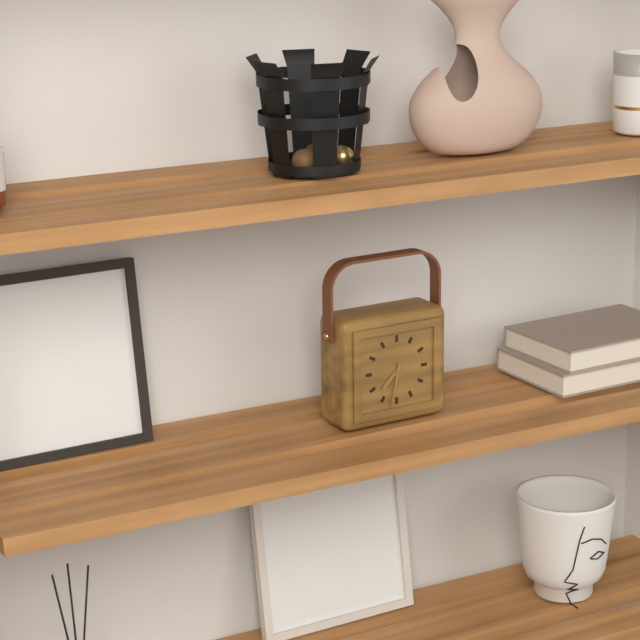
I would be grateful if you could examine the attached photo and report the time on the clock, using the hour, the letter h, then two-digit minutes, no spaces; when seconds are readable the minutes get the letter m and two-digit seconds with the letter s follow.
7h32
